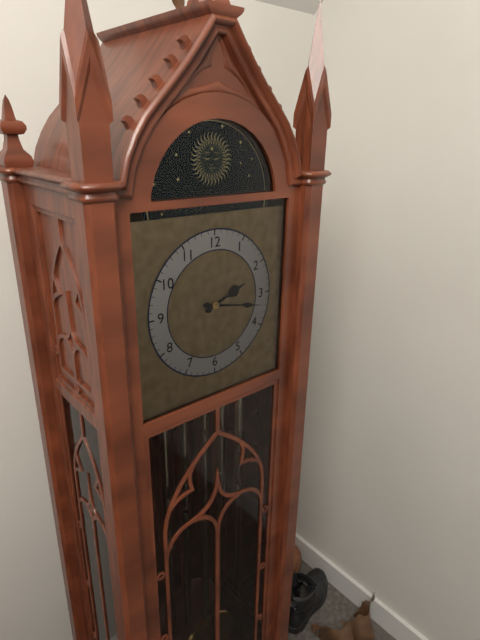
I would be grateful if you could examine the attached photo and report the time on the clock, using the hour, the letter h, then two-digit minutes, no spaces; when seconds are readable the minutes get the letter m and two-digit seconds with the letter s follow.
2h17
